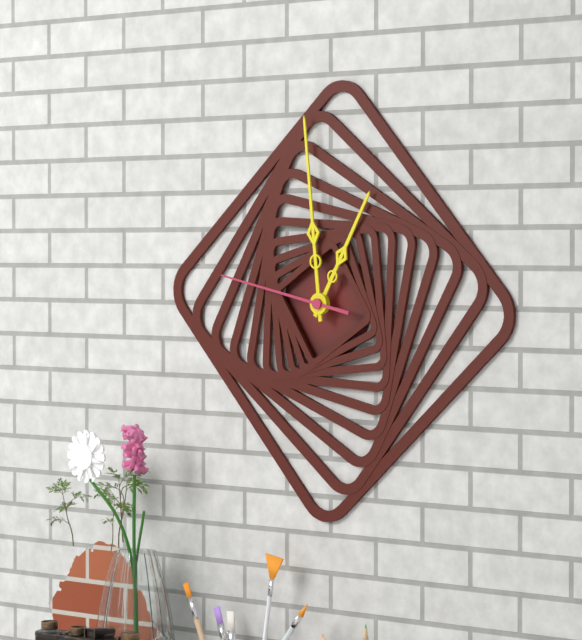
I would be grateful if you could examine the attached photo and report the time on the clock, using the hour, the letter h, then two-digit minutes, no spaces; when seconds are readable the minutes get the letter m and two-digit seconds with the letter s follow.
12h59m47s
